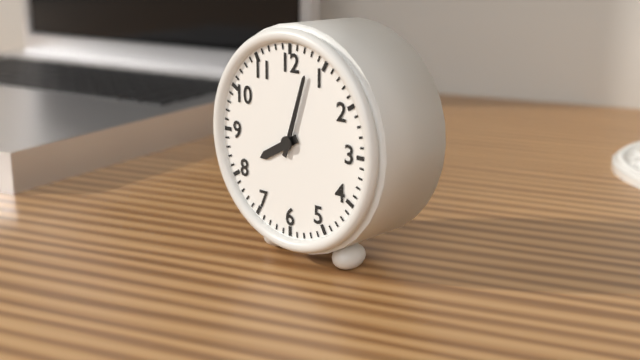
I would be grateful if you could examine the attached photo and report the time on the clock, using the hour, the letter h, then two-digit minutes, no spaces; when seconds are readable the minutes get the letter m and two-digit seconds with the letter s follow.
8h03
